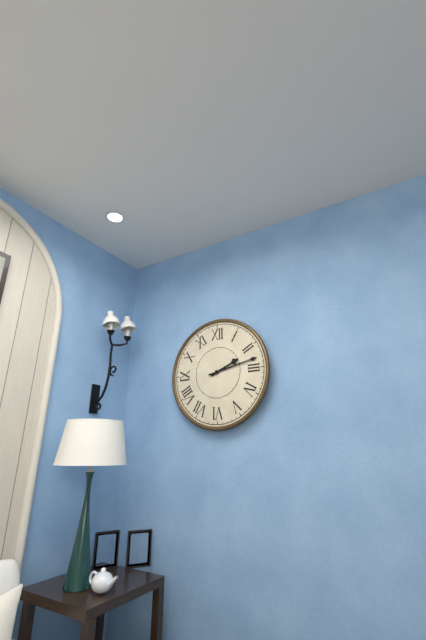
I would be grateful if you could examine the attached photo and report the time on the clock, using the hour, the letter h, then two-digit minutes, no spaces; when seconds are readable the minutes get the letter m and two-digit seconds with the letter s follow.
2h13
